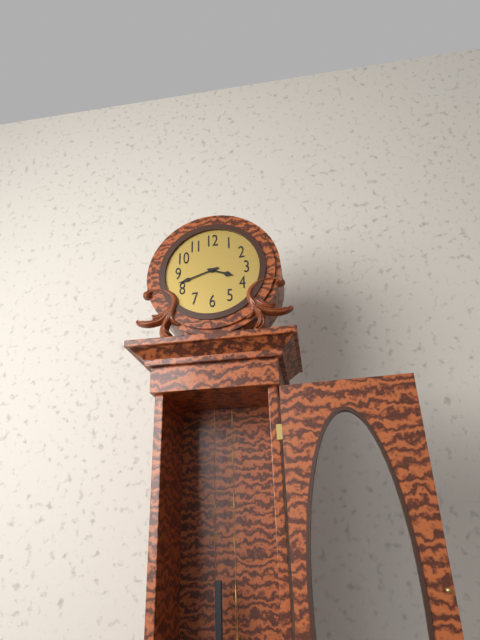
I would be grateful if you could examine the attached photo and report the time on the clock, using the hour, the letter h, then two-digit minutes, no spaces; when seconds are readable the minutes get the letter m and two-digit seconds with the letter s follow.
3h42
